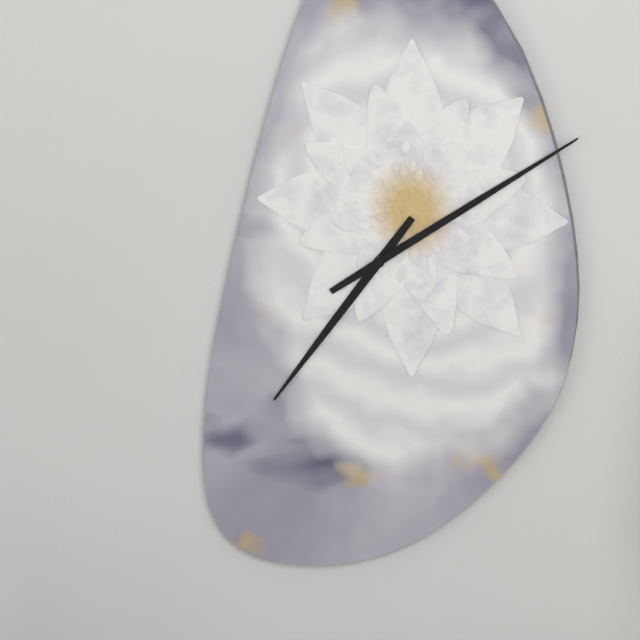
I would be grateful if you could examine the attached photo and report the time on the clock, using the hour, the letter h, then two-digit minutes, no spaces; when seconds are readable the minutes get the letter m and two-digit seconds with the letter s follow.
7h09
